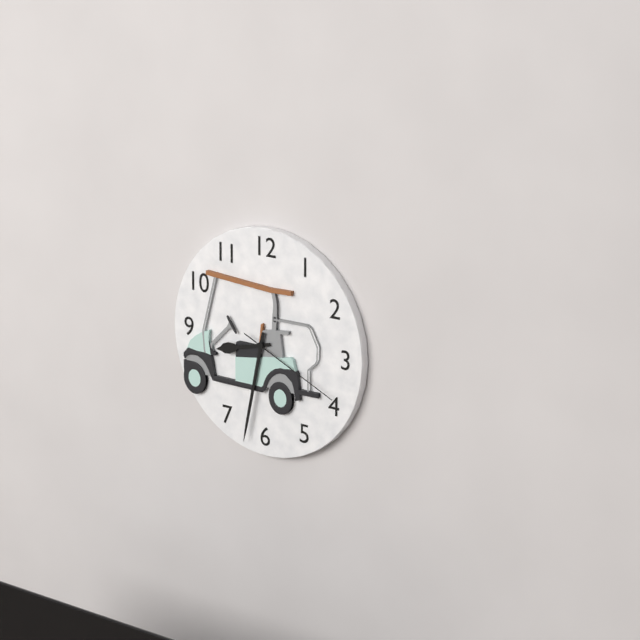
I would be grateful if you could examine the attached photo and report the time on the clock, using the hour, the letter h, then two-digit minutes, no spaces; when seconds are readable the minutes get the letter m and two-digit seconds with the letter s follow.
8h32m19s
